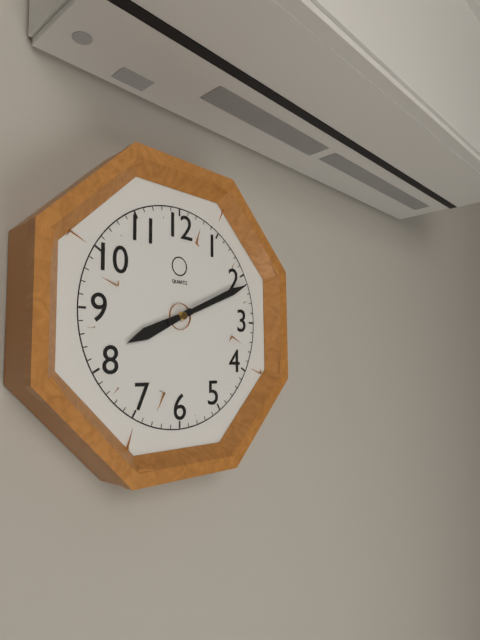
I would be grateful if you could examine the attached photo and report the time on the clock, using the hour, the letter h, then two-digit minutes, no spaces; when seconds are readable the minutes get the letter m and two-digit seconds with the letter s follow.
8h11
